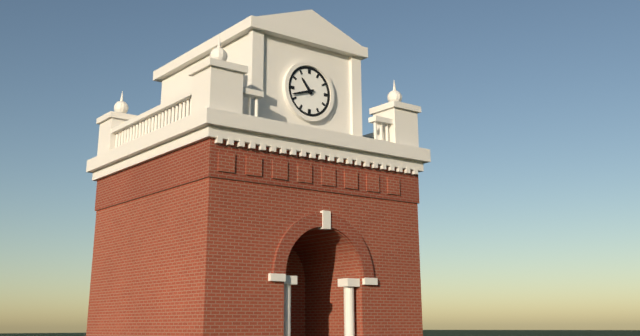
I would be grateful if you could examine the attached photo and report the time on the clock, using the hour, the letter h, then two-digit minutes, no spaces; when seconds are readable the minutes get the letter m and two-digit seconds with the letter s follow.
10h42
